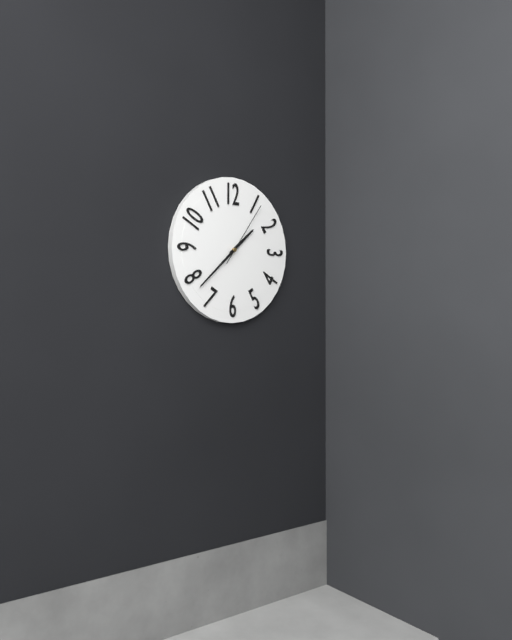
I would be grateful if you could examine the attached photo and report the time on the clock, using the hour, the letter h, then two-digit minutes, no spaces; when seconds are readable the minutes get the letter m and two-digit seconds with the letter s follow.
1h38m06s
